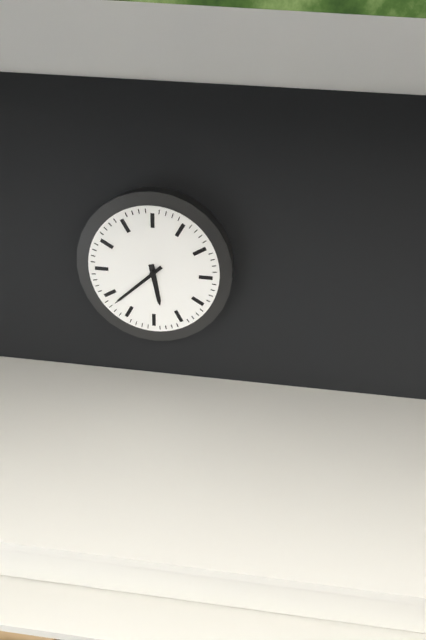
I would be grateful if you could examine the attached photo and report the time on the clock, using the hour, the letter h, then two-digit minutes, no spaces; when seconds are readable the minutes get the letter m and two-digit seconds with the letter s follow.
5h38
